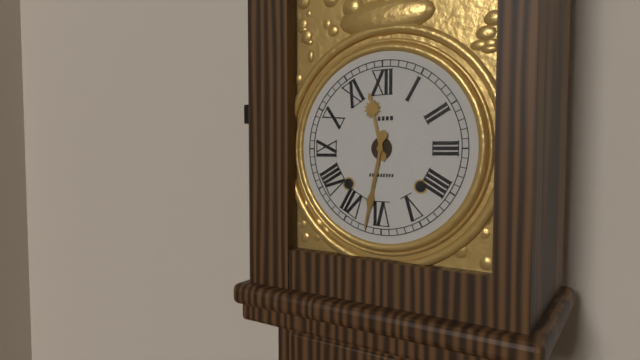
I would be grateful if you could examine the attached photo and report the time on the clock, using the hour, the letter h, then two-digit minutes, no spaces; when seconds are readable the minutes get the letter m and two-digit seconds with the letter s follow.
11h32
